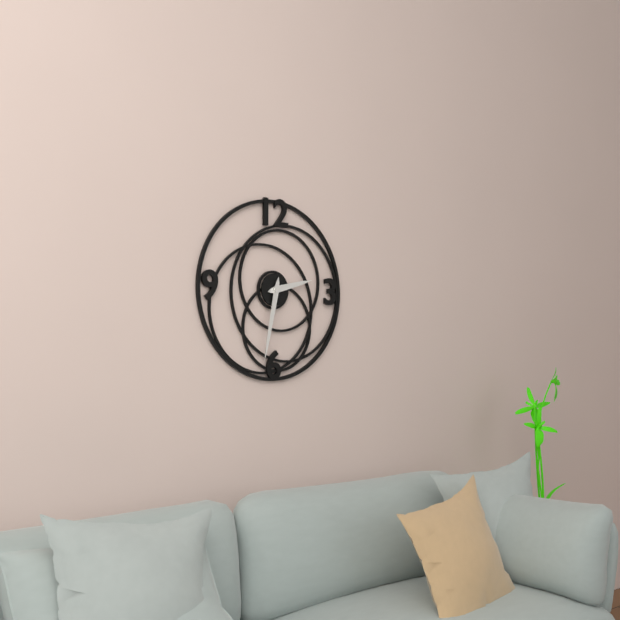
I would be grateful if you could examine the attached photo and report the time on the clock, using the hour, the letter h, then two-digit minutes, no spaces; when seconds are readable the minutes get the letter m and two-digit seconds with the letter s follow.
2h32
